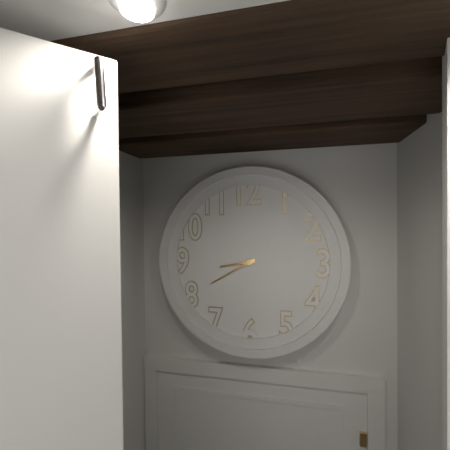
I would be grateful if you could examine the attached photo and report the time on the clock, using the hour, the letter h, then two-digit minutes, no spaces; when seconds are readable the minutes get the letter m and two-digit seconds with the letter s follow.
8h40
